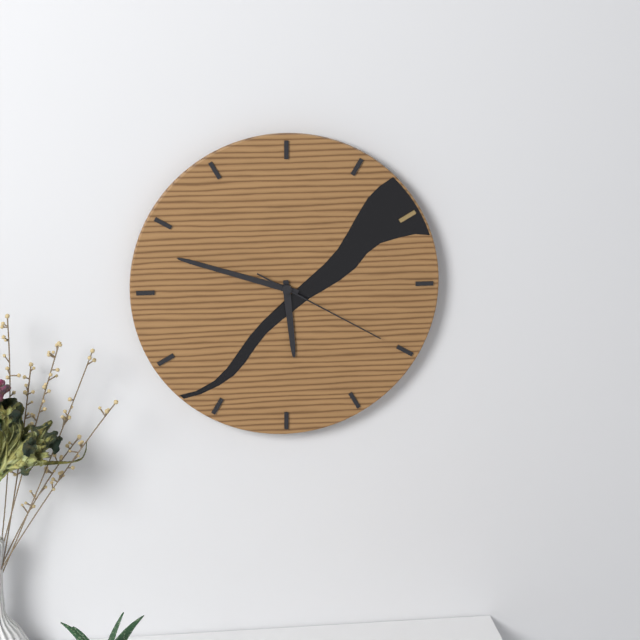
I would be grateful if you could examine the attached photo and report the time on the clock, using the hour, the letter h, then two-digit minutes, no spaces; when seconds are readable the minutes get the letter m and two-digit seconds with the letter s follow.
5h48m20s
